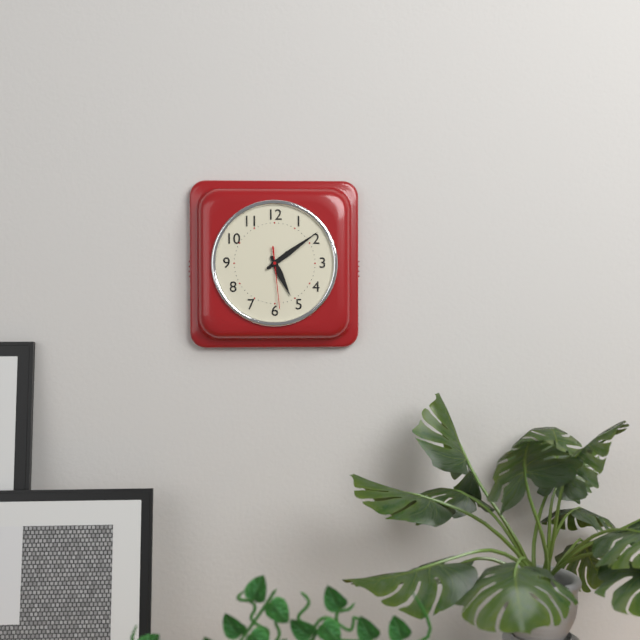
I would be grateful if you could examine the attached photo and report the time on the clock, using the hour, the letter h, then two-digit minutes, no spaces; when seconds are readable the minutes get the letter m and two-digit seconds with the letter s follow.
5h09m29s
